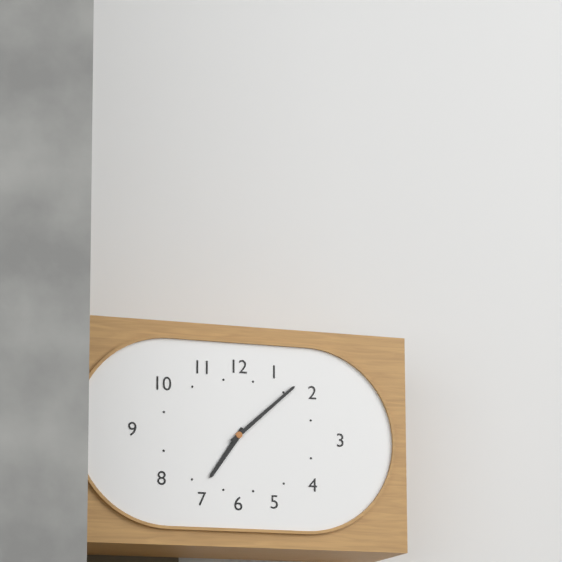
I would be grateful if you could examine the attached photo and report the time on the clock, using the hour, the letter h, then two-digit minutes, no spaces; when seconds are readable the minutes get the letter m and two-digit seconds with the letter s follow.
7h08
